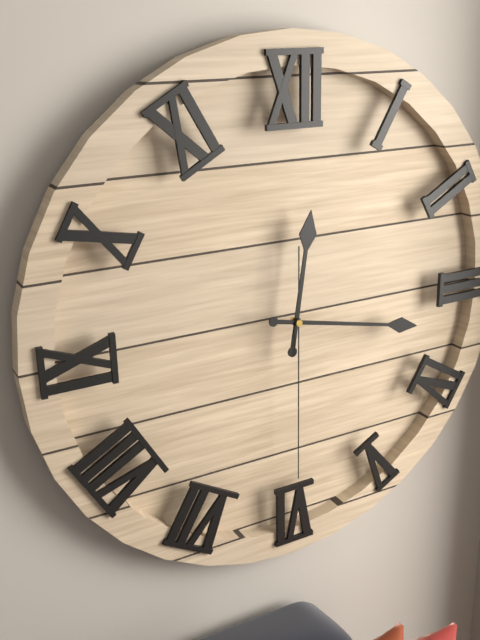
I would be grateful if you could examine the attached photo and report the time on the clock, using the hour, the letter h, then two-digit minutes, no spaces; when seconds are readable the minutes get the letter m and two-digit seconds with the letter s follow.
12h17m30s
